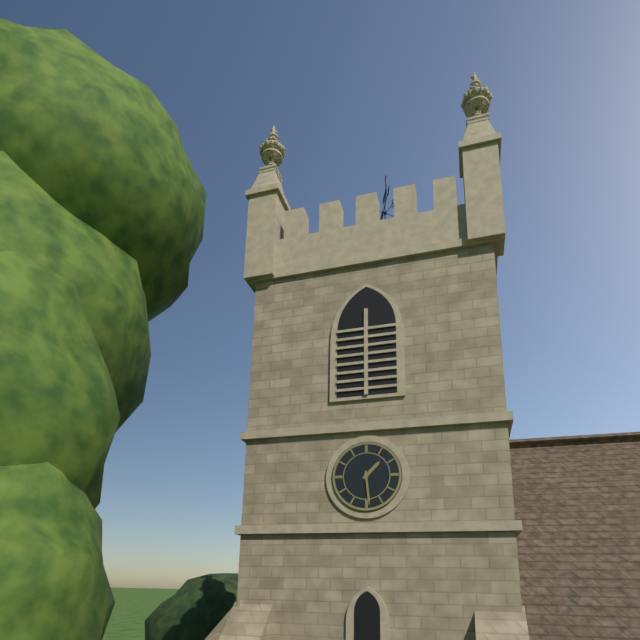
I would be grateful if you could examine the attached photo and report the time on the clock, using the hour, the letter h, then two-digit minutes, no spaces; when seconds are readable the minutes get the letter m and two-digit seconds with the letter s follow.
1h29
